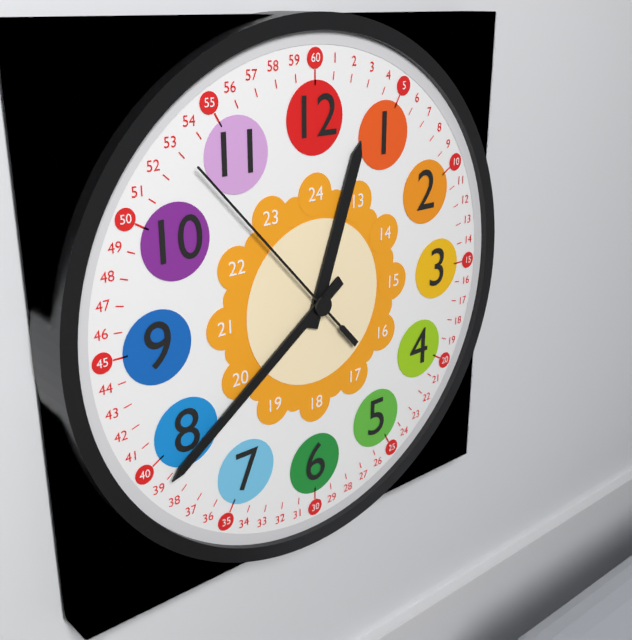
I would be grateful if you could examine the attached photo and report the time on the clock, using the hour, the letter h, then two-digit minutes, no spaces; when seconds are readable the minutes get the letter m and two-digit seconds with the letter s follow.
12h39m53s
